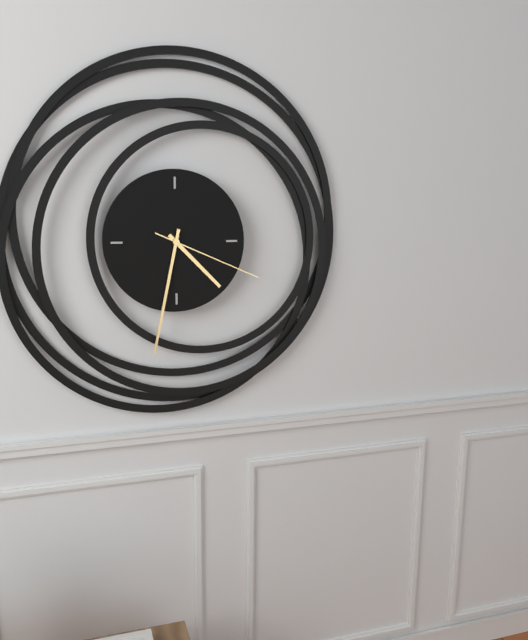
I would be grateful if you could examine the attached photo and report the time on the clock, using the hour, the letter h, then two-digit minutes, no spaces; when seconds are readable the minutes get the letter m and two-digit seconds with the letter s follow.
4h32m19s
